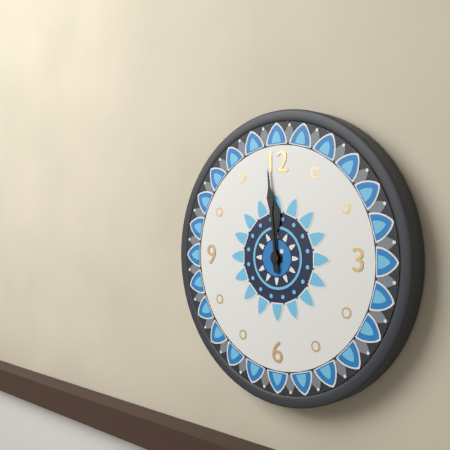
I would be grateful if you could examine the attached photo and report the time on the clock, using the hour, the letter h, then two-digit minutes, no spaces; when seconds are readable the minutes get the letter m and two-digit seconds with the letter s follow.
11h59
